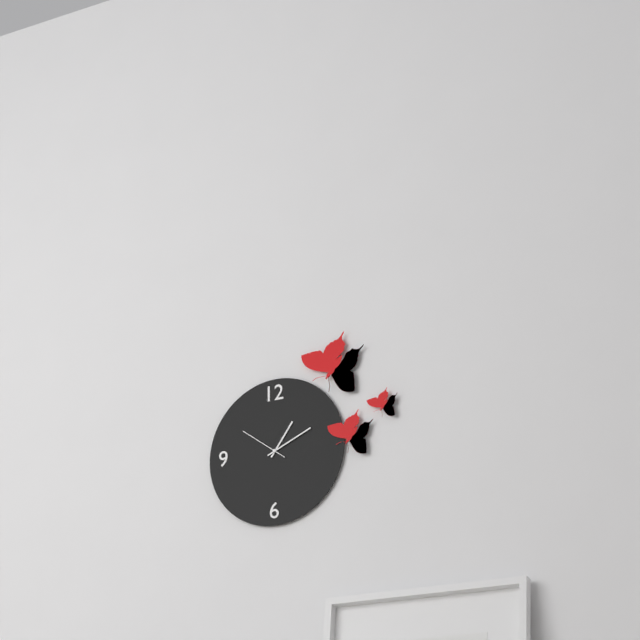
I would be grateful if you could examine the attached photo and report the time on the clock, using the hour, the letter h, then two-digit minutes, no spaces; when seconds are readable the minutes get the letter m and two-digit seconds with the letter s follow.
1h11
